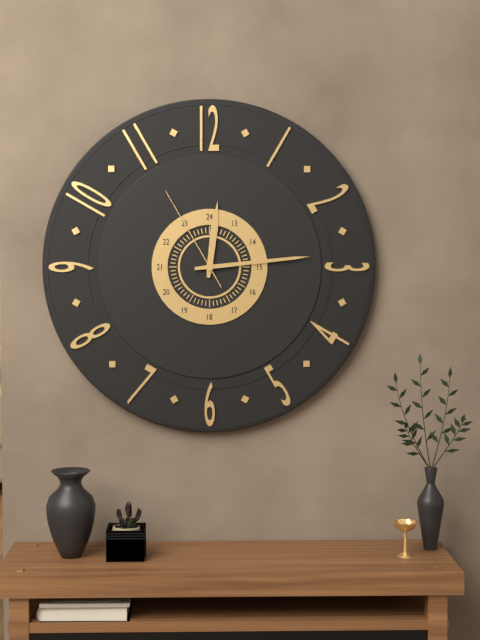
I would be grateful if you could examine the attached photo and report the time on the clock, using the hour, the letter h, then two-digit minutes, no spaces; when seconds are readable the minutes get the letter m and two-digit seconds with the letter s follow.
12h14m55s
